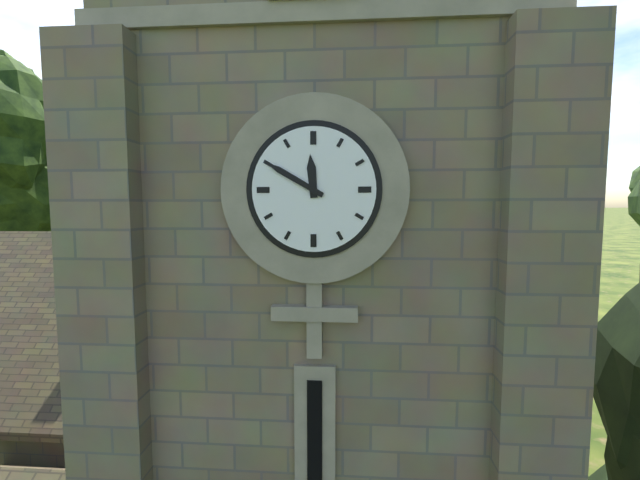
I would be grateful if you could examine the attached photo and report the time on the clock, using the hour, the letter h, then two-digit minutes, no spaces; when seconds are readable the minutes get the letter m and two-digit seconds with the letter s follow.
11h50
